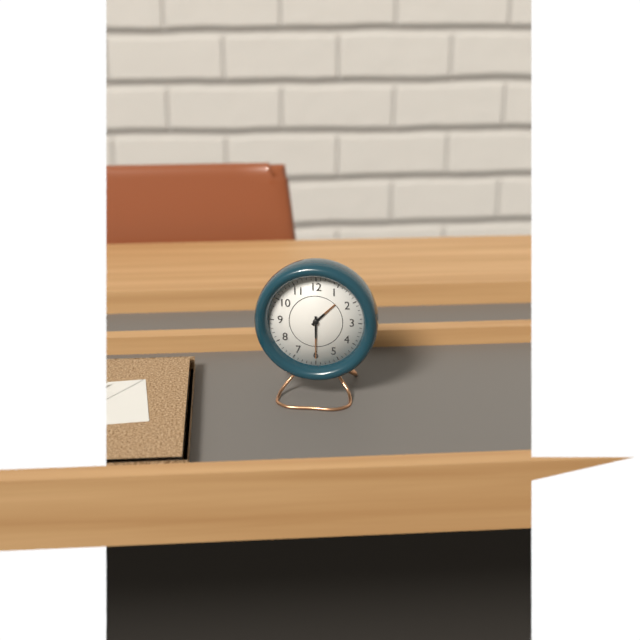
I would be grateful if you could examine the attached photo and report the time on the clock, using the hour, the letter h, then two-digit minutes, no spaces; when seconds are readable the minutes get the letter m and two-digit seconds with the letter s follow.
1h30
